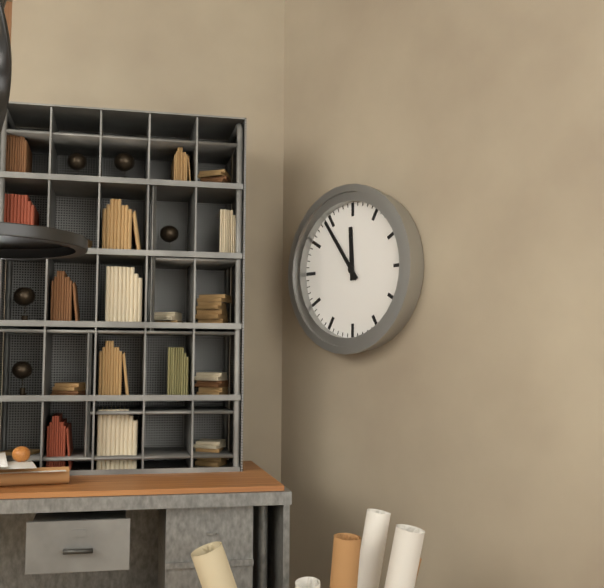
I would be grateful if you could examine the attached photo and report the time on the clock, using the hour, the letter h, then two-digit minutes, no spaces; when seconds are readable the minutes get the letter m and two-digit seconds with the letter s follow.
11h54
